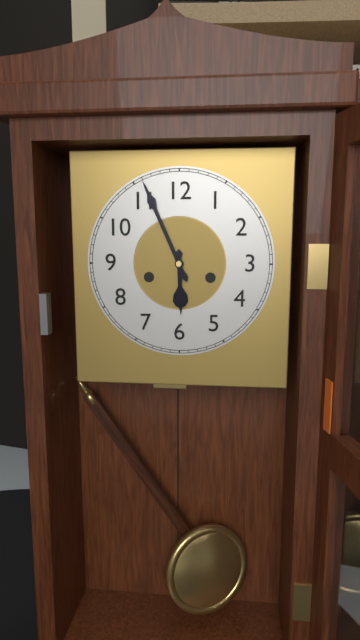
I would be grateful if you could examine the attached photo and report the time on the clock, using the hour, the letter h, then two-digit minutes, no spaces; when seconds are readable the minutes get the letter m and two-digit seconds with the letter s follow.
5h56
